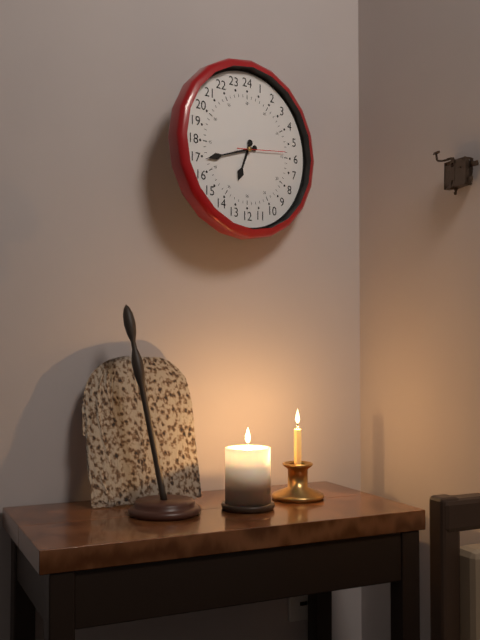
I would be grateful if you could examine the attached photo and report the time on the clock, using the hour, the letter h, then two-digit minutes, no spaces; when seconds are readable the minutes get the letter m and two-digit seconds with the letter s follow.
6h42
